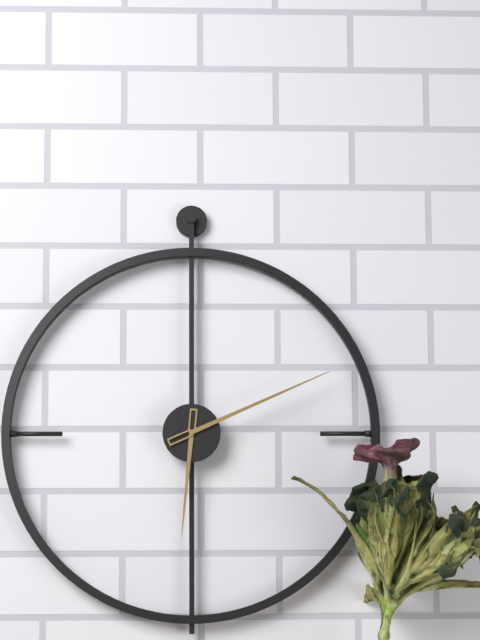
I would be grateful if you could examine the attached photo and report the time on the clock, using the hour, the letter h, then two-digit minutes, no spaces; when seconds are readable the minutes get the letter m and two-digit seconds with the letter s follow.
6h11
